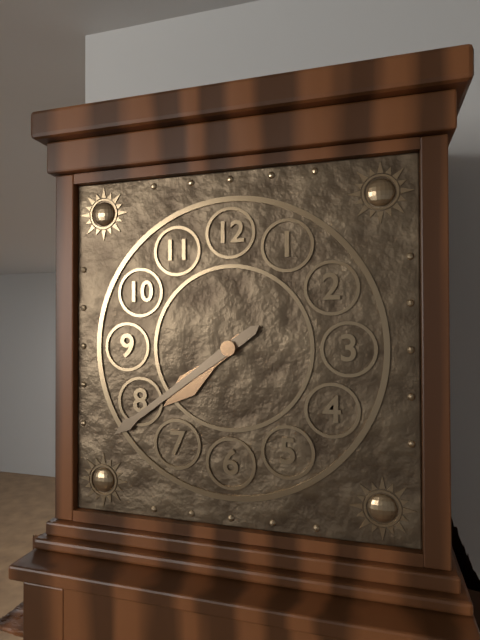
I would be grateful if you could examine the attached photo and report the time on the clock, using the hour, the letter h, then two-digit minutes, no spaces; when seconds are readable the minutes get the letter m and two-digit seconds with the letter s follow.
7h39
